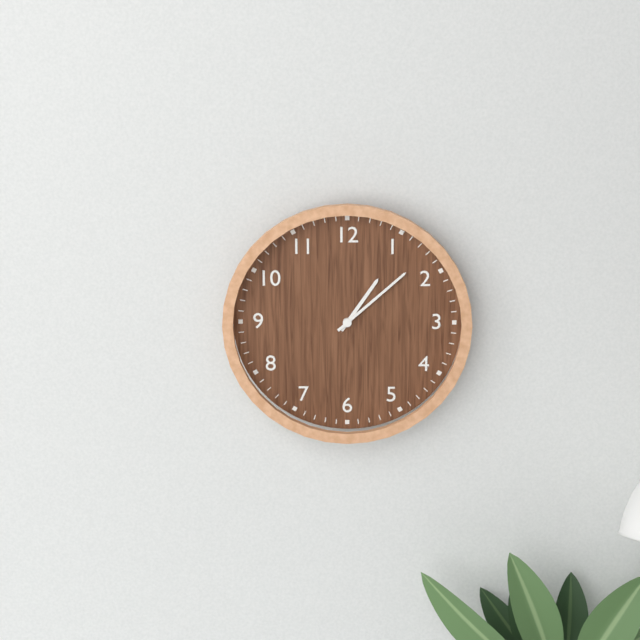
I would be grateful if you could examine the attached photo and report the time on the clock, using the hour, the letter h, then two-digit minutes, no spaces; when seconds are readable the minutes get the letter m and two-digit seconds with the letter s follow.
1h08
